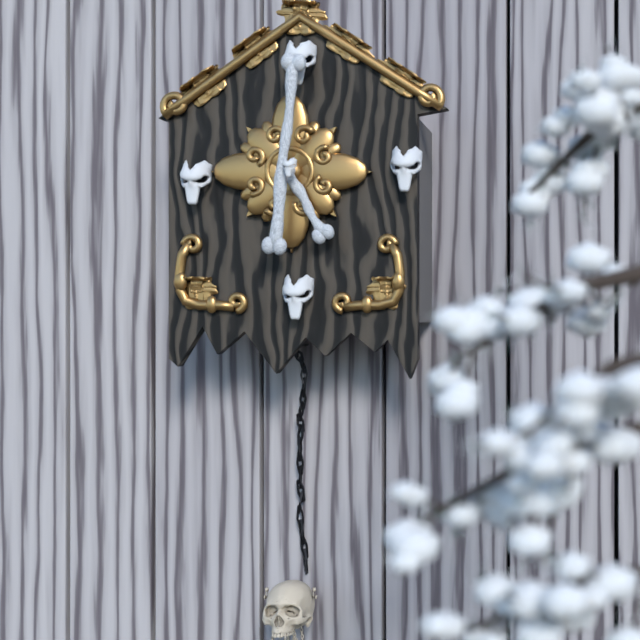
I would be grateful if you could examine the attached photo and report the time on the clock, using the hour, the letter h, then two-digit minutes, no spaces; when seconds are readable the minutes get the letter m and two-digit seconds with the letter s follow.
5h01
